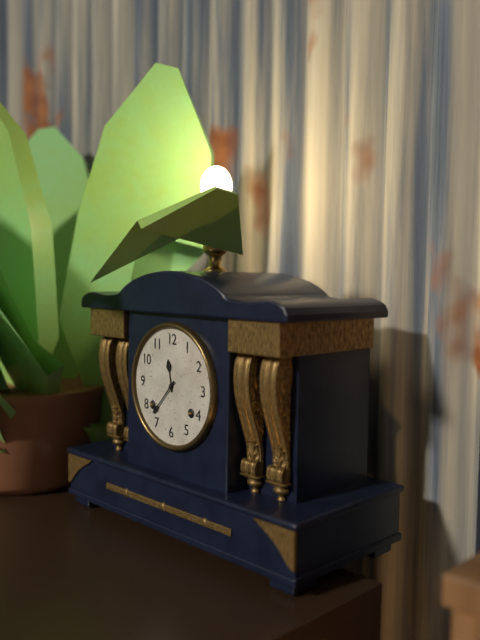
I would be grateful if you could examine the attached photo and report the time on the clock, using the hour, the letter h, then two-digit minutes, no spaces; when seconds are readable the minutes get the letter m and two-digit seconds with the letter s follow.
11h37
